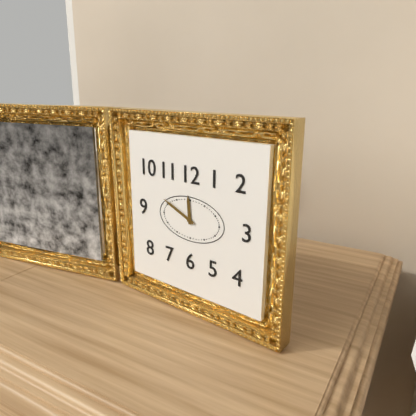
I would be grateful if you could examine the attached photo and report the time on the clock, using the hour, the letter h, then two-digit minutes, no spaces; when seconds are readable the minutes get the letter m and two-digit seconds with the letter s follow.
11h49
